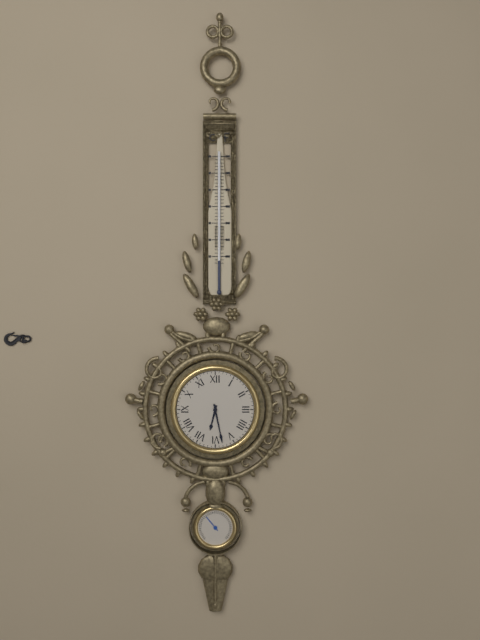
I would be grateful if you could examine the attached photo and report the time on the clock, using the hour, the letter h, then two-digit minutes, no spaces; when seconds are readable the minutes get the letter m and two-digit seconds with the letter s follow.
6h28
